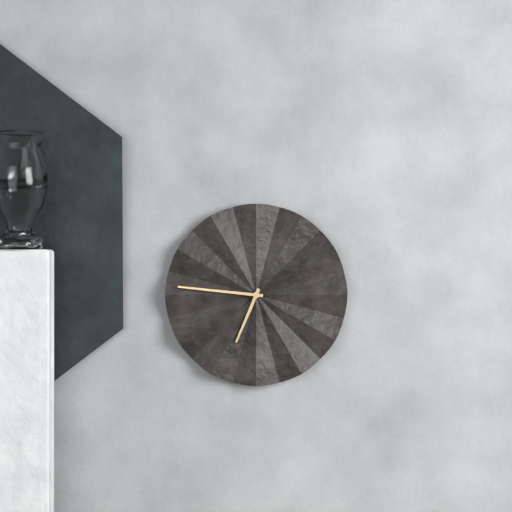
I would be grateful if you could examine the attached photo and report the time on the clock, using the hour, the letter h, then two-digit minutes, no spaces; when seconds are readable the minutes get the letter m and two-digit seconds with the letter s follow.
6h46
